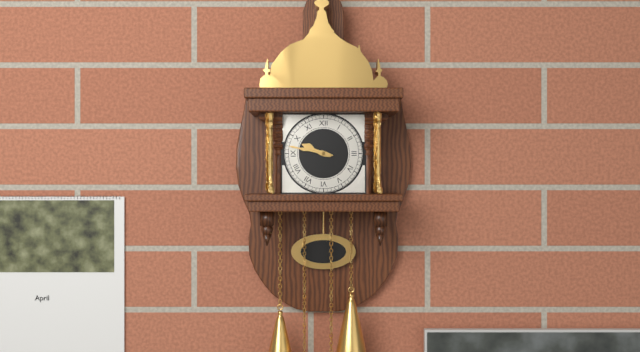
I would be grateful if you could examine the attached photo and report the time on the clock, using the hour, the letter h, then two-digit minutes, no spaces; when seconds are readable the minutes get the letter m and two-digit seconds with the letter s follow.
9h47
